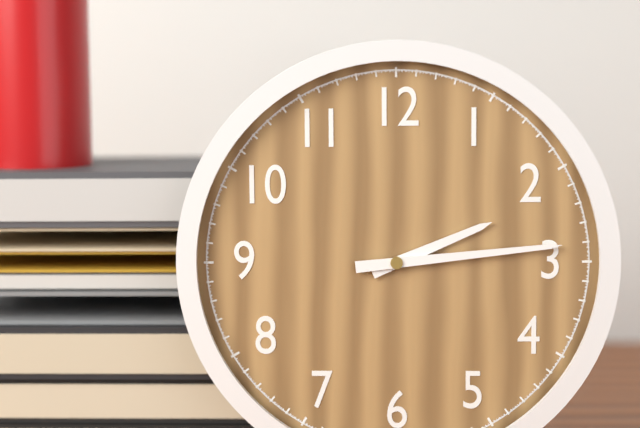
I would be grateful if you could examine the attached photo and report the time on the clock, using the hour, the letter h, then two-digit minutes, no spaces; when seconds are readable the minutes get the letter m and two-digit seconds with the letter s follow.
2h14
